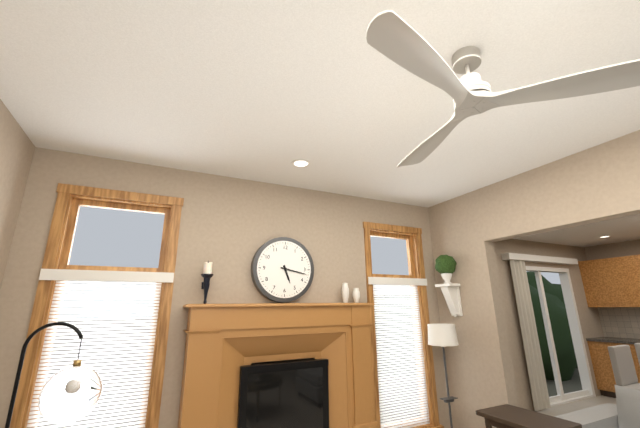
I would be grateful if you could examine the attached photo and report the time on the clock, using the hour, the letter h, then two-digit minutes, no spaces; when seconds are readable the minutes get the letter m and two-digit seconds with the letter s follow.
5h17
